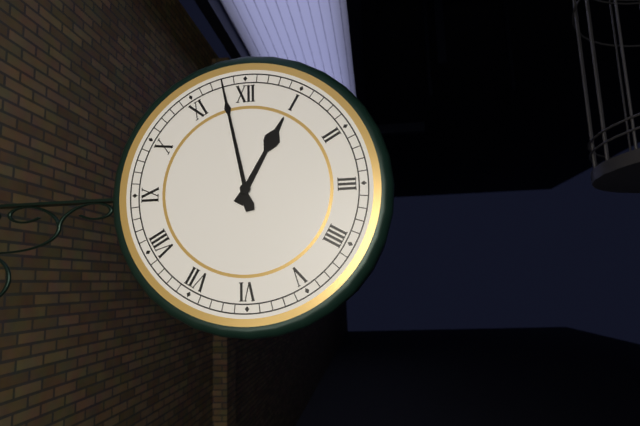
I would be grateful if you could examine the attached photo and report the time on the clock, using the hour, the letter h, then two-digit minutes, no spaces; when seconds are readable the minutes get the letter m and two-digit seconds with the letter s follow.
12h58
